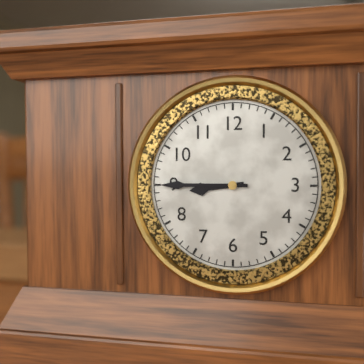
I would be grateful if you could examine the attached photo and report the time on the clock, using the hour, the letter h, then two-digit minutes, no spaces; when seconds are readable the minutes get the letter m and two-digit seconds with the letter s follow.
8h45
